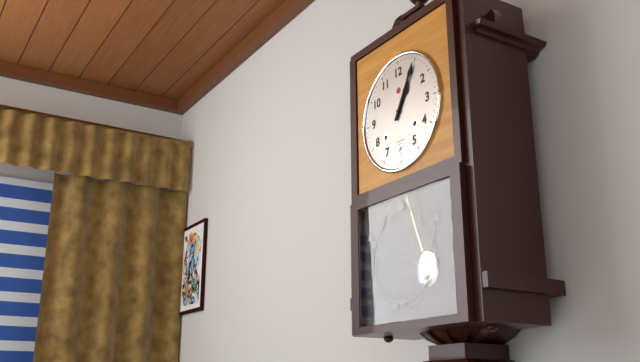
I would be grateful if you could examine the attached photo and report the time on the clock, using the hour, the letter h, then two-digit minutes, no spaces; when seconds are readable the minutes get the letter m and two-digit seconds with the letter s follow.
1h05
